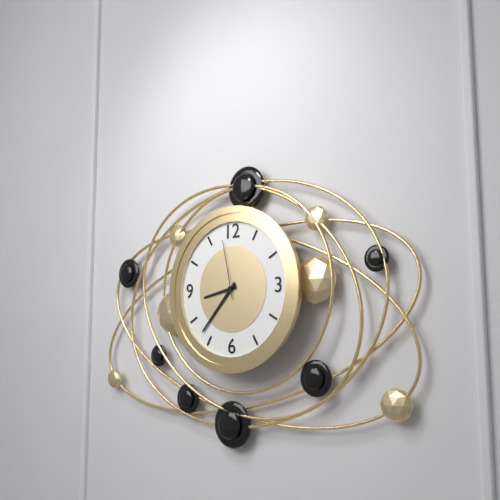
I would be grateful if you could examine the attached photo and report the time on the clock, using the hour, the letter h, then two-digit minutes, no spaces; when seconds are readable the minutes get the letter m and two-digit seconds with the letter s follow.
8h37m58s
